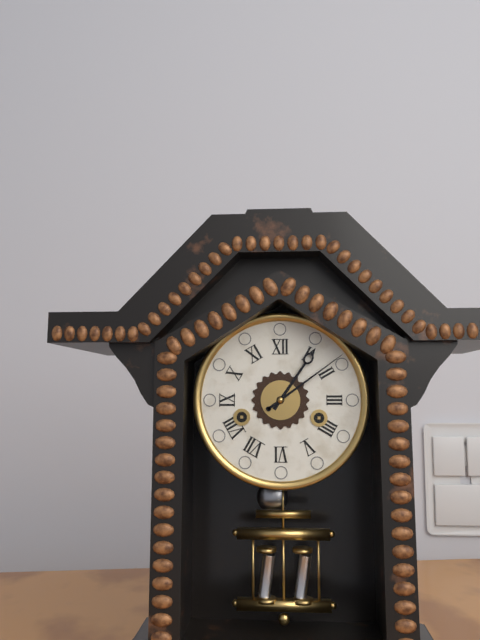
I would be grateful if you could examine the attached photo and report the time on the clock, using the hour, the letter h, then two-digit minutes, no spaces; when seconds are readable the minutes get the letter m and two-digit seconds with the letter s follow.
1h09
